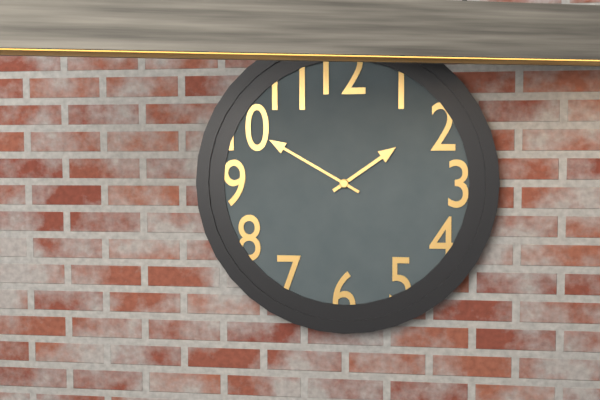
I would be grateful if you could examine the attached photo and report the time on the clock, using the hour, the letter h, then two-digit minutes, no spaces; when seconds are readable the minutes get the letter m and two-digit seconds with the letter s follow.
1h50
